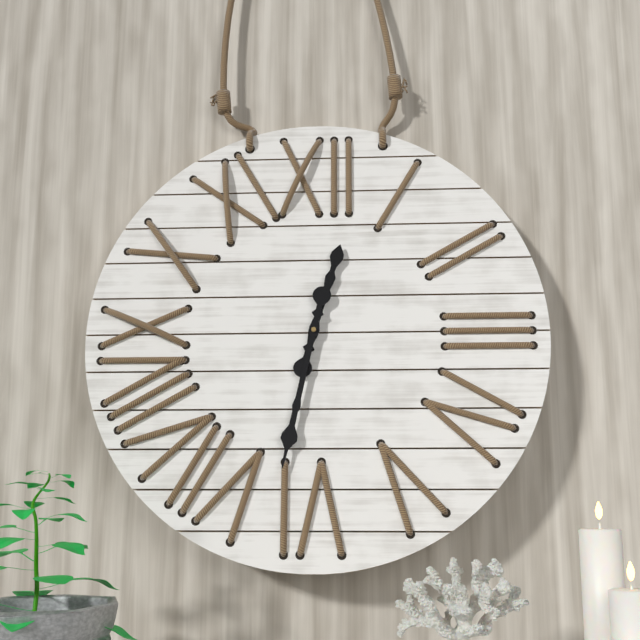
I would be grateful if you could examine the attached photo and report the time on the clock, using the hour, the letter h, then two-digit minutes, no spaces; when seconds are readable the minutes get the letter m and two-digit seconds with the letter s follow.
12h32
